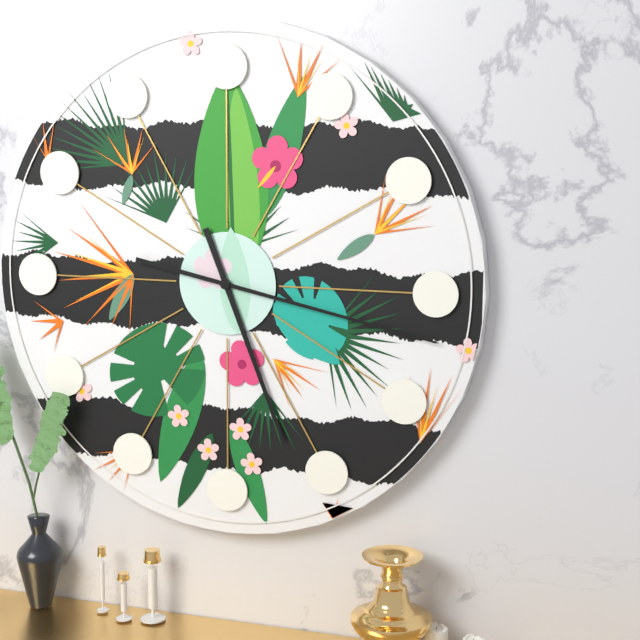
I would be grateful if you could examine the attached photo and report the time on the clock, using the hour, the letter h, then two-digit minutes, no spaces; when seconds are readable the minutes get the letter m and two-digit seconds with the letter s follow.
5h17
